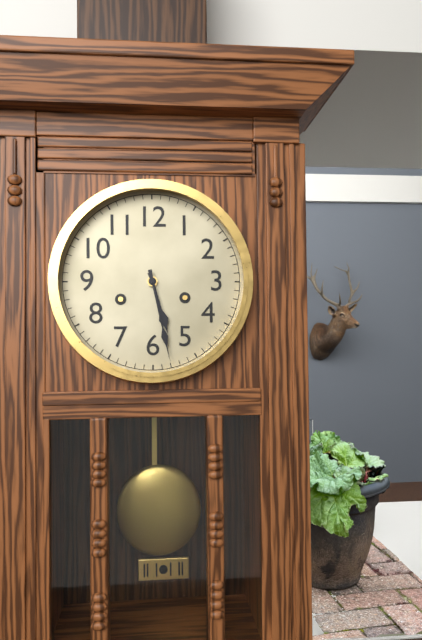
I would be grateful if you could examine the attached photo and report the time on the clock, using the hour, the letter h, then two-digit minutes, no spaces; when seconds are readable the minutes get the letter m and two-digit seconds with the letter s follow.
5h28
